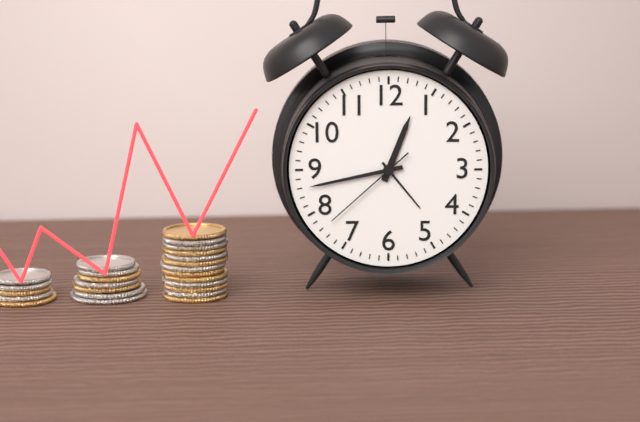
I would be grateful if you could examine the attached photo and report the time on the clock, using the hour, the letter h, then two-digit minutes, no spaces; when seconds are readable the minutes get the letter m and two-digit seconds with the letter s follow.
12h43m38s
